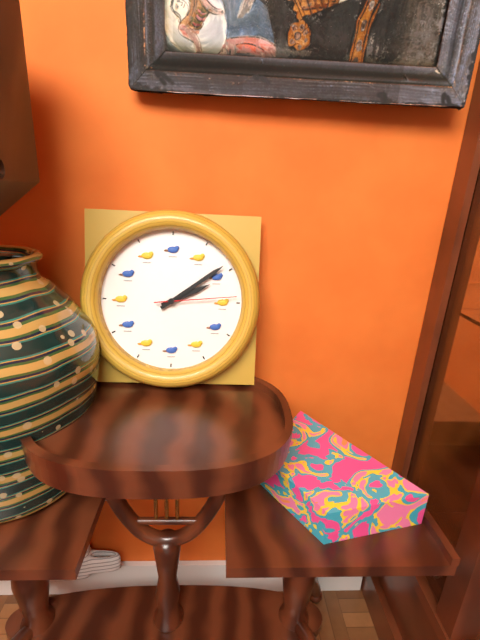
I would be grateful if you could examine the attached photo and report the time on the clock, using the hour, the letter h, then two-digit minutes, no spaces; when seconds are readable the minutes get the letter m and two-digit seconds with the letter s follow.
2h09m14s
